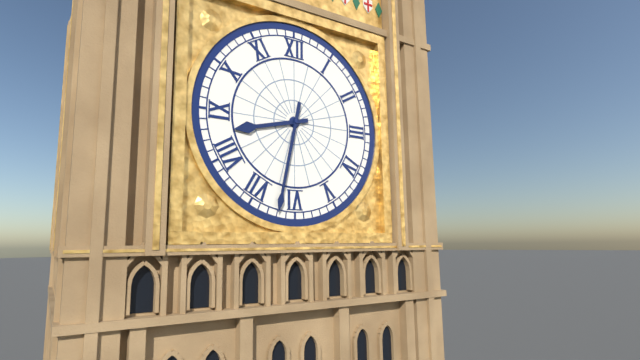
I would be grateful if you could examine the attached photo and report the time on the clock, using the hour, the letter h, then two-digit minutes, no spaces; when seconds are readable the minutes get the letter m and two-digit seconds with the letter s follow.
8h32
